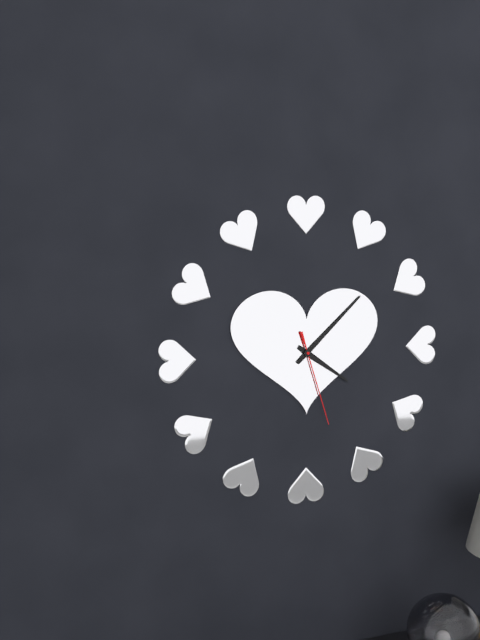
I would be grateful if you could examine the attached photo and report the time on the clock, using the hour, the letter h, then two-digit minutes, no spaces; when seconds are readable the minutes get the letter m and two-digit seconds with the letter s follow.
4h08m27s
